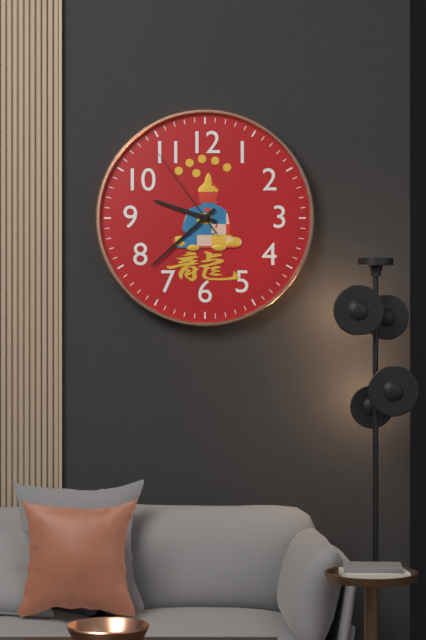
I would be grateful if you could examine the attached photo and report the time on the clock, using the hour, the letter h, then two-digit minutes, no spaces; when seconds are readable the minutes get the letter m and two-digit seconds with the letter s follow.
9h38m54s
